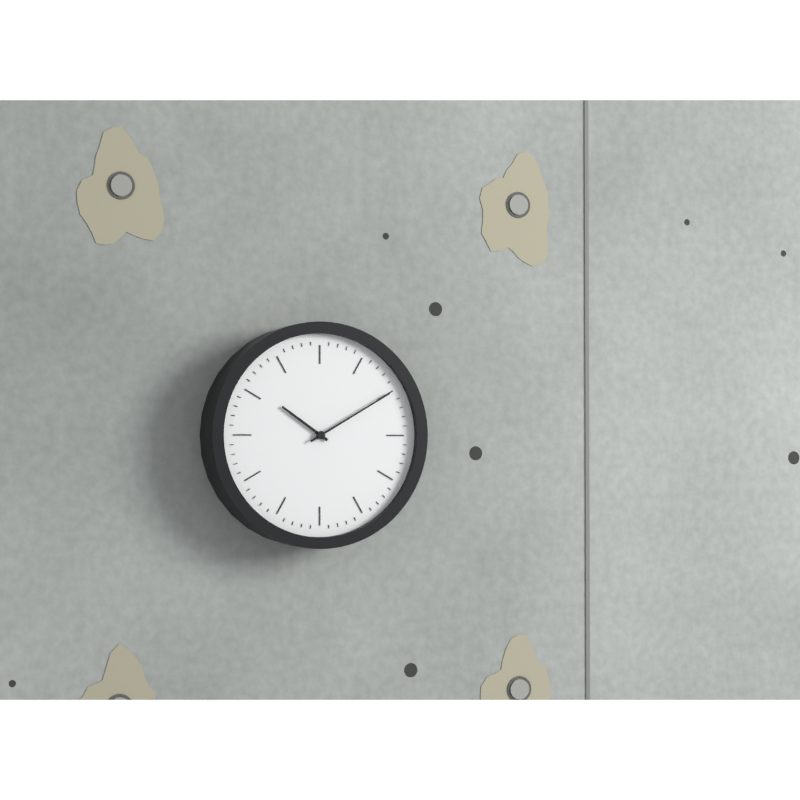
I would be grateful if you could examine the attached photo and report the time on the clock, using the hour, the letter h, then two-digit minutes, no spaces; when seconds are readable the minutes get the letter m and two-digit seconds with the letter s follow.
10h10
